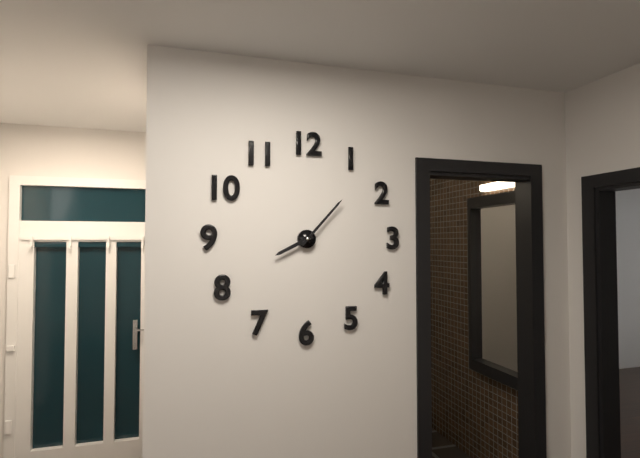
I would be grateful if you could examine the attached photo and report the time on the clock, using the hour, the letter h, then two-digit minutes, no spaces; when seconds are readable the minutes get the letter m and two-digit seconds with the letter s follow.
8h07
